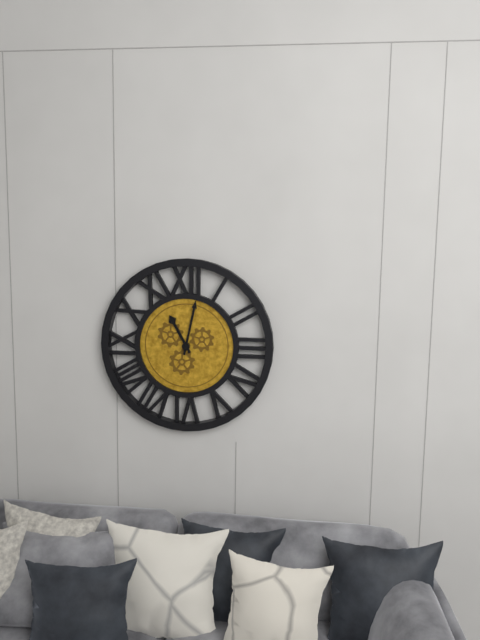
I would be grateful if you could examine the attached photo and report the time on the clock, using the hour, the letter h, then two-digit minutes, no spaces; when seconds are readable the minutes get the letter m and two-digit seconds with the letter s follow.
11h02
